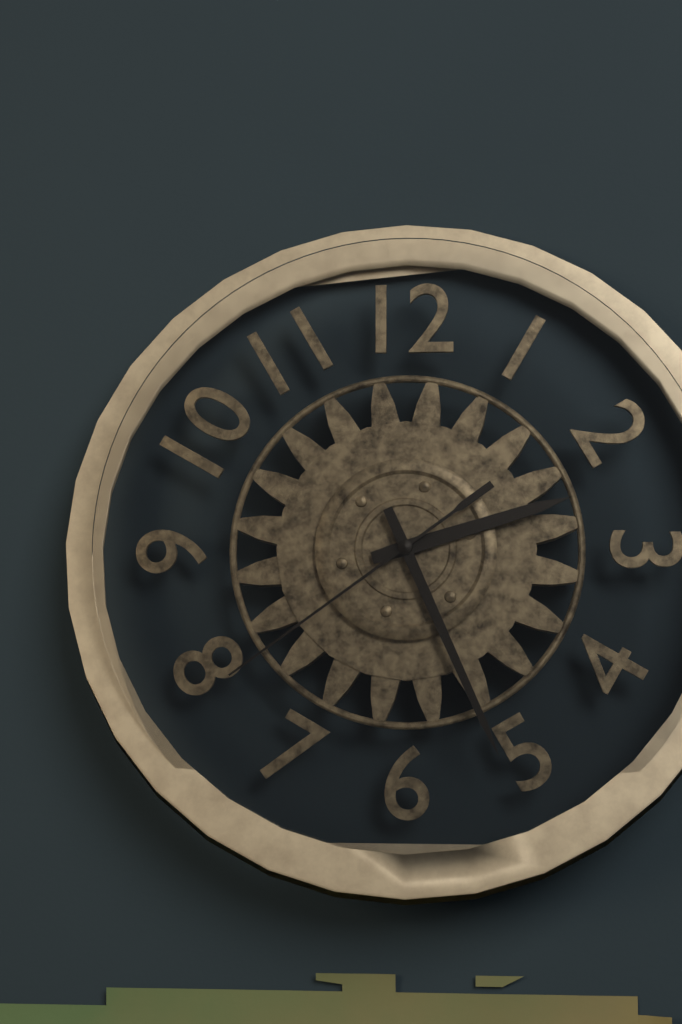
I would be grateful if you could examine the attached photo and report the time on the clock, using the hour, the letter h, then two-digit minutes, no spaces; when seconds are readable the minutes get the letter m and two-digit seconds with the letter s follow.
2h26m39s
